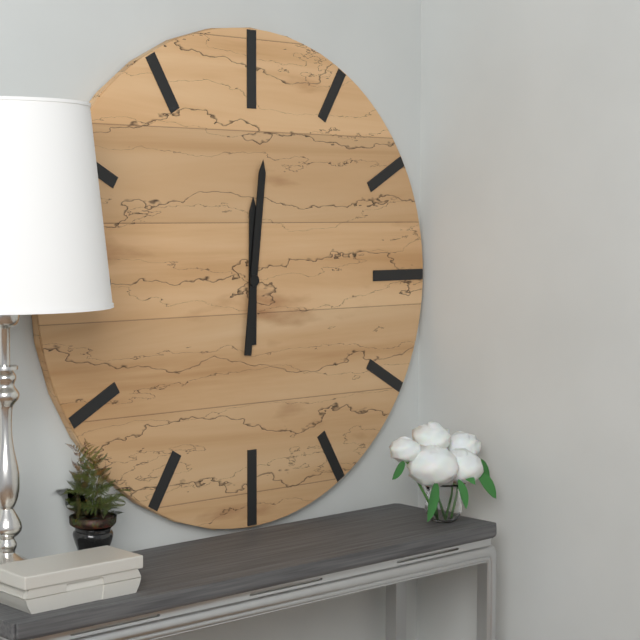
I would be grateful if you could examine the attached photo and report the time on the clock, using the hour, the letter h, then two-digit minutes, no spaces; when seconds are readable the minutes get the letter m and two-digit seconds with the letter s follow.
12h01
